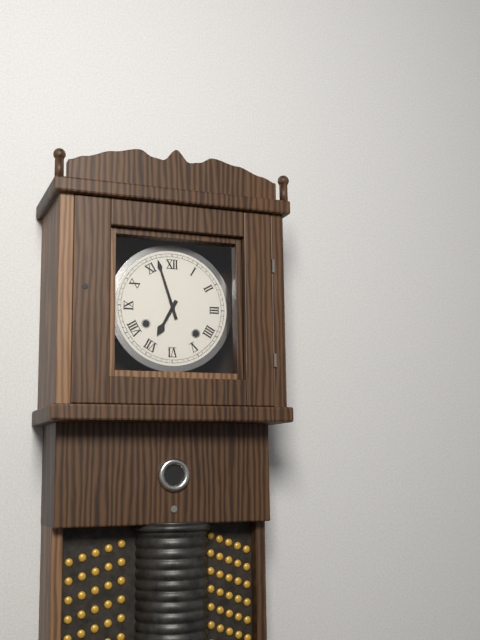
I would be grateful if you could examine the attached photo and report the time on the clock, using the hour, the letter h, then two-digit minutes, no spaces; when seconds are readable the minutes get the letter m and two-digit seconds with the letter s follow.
6h57
